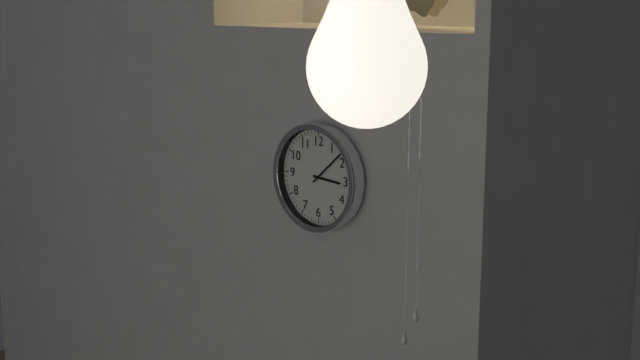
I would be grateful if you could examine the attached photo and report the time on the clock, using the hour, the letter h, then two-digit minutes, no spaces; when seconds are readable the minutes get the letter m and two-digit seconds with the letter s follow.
3h08
